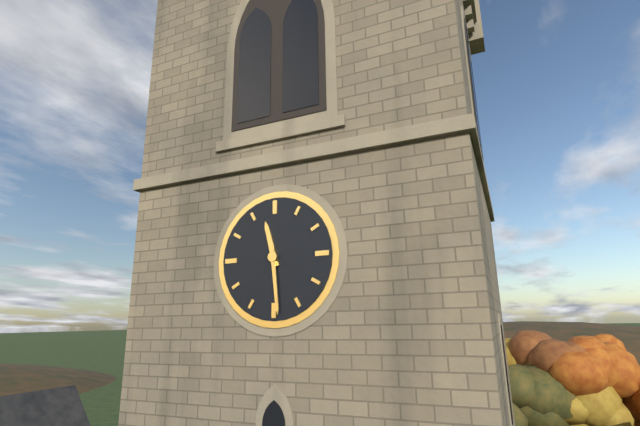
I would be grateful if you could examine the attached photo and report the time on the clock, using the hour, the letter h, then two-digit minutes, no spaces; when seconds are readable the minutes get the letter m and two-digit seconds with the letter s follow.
11h29
